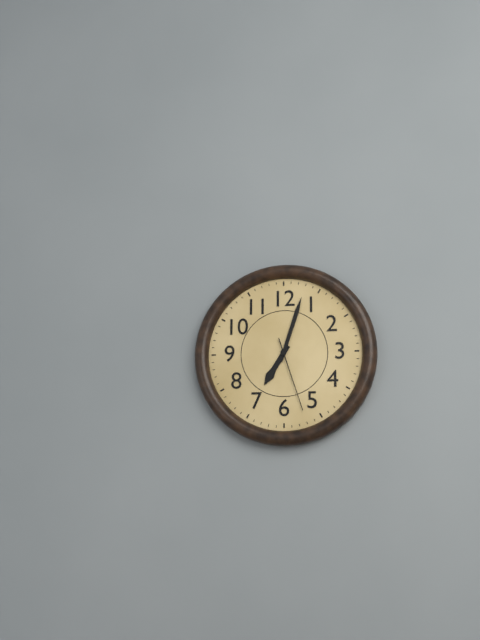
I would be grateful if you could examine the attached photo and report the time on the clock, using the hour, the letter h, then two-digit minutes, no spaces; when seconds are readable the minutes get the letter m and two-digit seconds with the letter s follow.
7h03m27s
